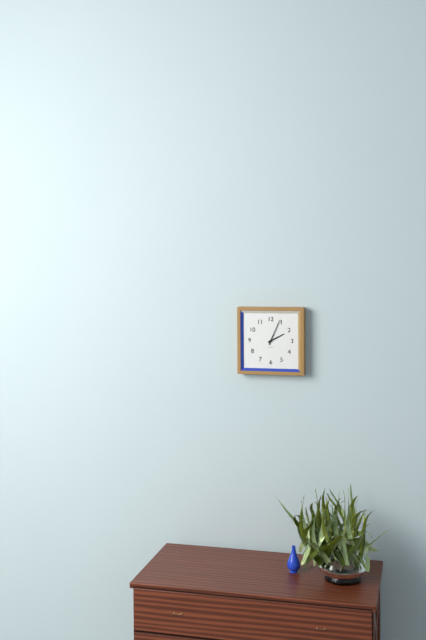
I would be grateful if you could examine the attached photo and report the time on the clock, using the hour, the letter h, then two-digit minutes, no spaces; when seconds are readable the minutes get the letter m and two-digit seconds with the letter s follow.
2h04
